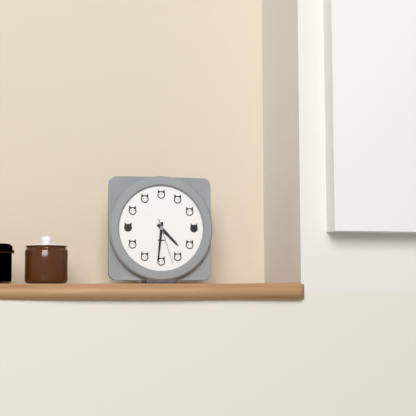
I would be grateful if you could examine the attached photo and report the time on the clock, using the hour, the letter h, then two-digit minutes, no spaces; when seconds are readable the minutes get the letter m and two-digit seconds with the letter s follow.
4h31
